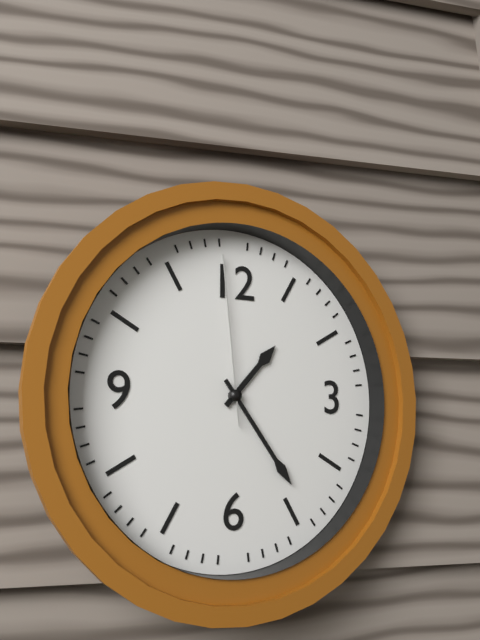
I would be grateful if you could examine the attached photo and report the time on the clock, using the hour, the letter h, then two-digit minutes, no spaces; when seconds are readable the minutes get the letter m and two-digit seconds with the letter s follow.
1h24m59s
